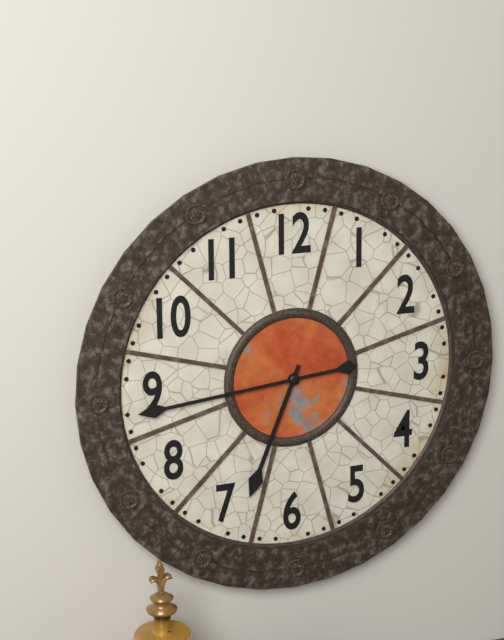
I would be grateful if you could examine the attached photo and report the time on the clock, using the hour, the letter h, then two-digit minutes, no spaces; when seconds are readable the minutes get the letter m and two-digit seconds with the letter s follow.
6h44
